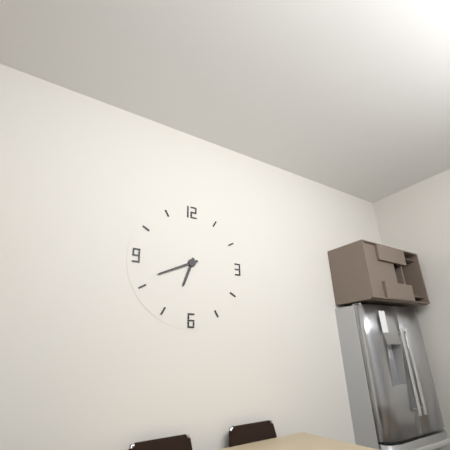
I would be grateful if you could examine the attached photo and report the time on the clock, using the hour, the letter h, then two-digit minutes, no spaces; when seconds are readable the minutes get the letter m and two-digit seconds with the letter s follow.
6h41
